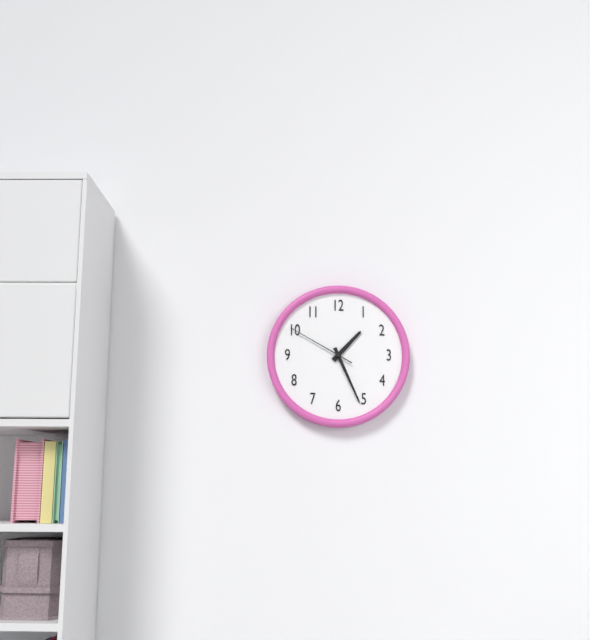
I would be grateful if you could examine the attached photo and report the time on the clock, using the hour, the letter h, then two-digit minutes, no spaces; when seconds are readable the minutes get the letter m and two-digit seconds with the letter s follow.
1h26m50s
